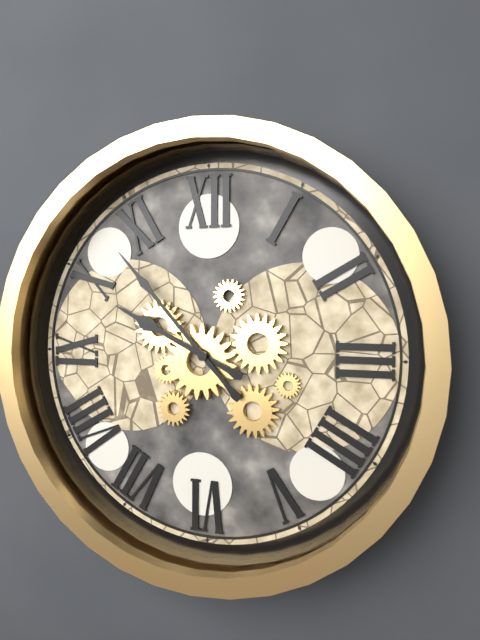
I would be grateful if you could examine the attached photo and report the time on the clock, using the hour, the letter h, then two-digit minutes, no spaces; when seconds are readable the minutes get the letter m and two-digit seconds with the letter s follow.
9h53
